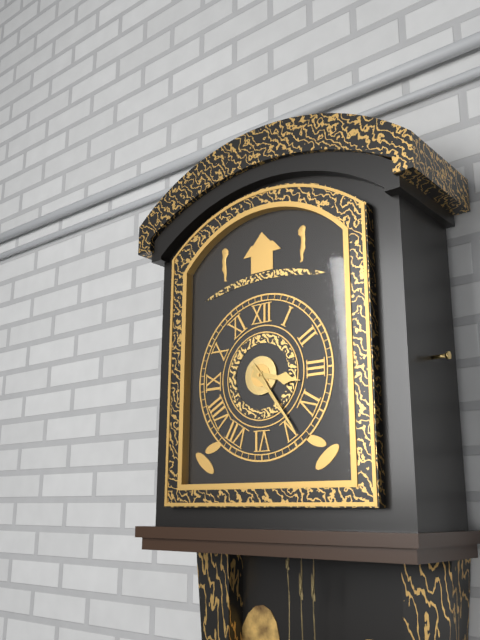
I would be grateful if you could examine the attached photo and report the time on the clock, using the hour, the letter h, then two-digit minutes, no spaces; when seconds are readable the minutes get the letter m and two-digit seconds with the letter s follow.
3h24
